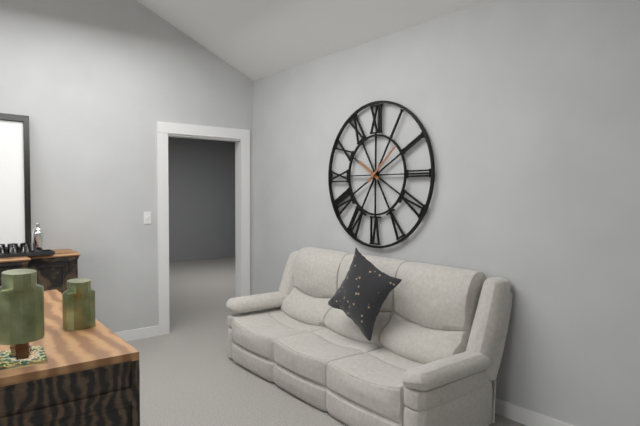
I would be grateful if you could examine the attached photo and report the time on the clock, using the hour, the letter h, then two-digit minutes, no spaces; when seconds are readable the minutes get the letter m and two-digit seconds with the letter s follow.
10h08
